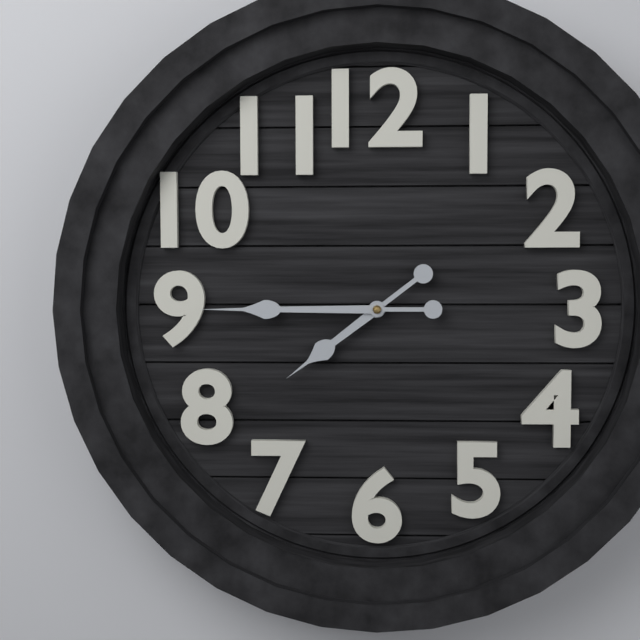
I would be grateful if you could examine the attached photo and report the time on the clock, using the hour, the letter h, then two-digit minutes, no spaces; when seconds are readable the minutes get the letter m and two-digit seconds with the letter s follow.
7h45
